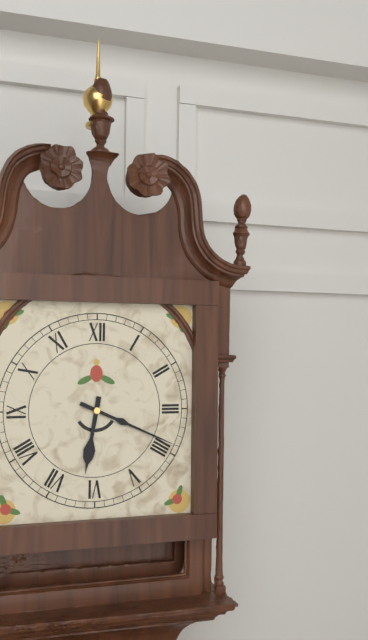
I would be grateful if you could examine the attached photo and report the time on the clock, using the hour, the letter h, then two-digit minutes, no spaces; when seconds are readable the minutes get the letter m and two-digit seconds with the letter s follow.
6h19
